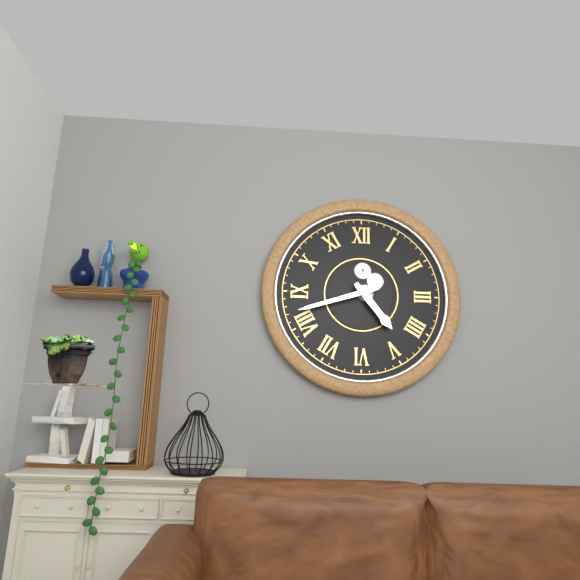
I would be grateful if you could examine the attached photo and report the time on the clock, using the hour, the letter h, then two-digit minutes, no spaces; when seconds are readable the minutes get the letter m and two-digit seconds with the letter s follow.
4h42
